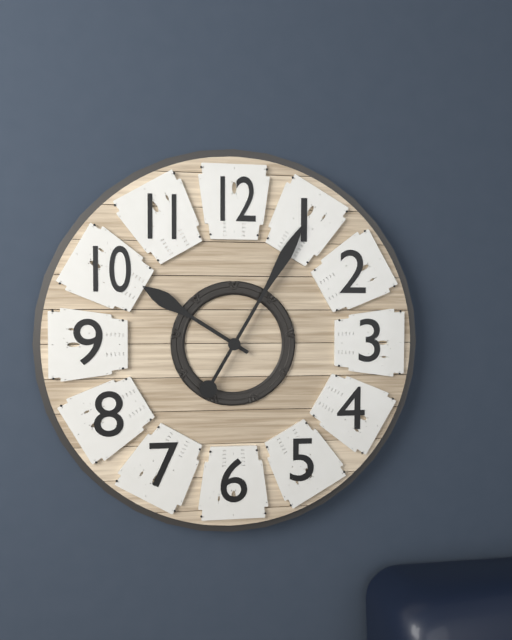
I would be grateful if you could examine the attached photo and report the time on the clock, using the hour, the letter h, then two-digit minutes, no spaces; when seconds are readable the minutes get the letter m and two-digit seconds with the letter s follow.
10h05
